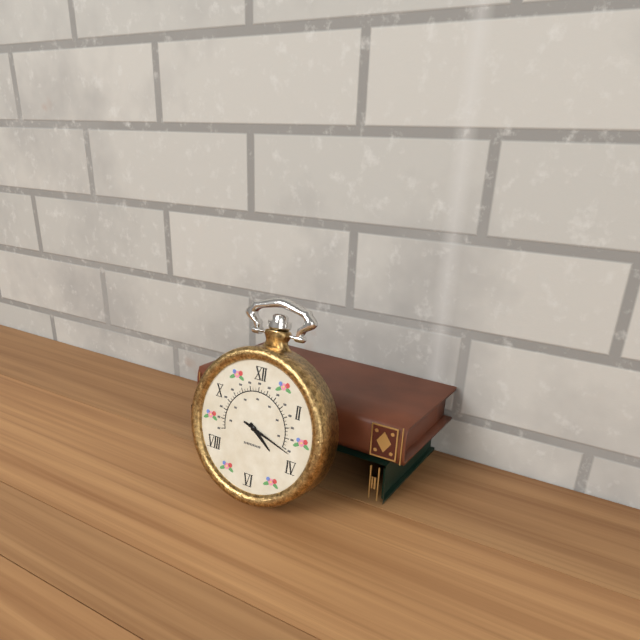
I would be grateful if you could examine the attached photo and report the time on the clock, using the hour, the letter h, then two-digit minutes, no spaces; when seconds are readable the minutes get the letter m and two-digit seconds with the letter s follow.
4h18
